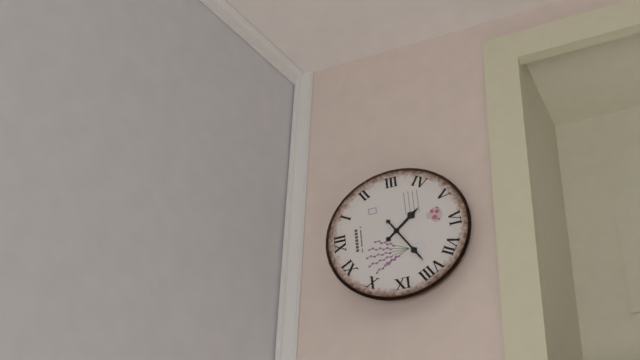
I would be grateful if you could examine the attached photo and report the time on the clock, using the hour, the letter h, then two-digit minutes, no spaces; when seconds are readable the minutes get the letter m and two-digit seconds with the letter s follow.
4h40
